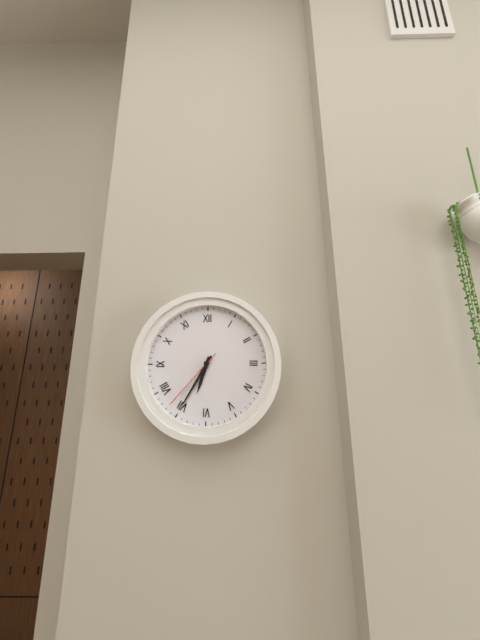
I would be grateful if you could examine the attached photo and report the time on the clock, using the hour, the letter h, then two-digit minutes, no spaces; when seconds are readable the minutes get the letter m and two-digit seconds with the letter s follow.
6h35m37s
